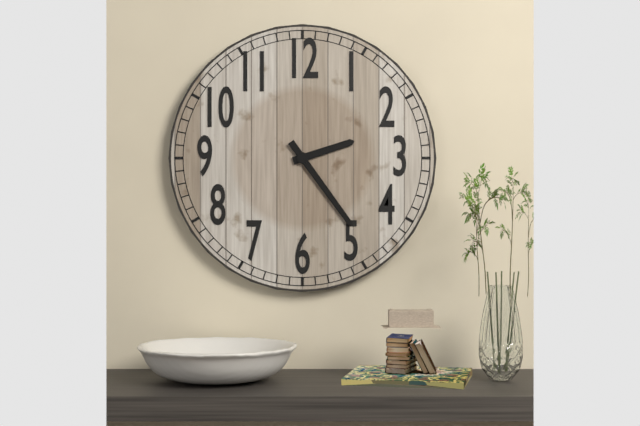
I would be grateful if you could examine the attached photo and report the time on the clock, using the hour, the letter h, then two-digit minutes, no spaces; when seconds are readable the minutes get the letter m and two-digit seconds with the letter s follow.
2h24
